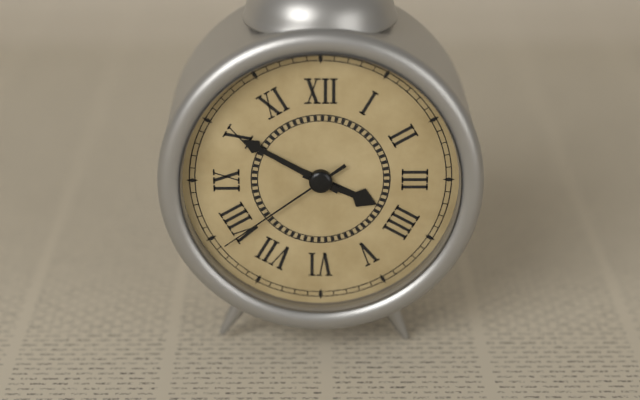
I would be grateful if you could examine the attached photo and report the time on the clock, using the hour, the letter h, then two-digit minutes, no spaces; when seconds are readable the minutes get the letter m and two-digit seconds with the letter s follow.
3h50m39s
